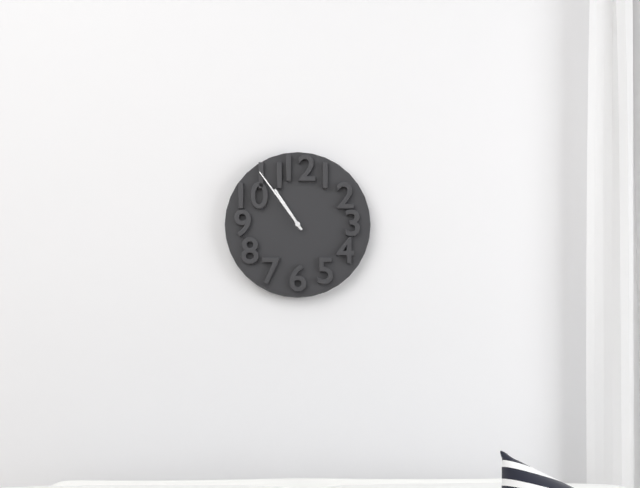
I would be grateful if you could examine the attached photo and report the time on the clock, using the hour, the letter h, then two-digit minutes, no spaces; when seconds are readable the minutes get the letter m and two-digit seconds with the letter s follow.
10h54
